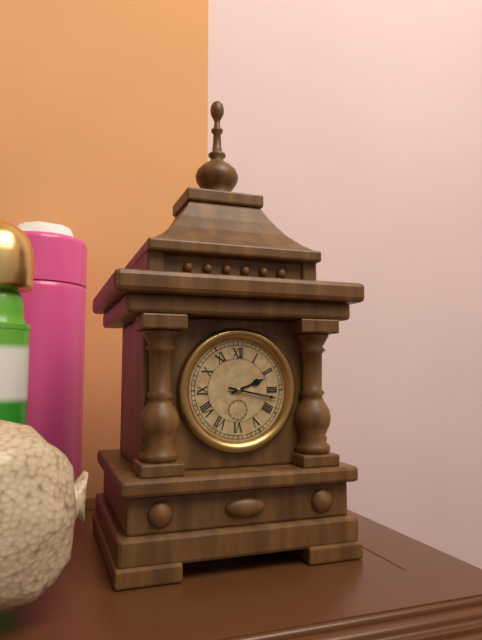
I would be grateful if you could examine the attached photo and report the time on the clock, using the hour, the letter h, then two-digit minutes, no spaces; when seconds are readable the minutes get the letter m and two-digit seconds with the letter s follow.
2h17
